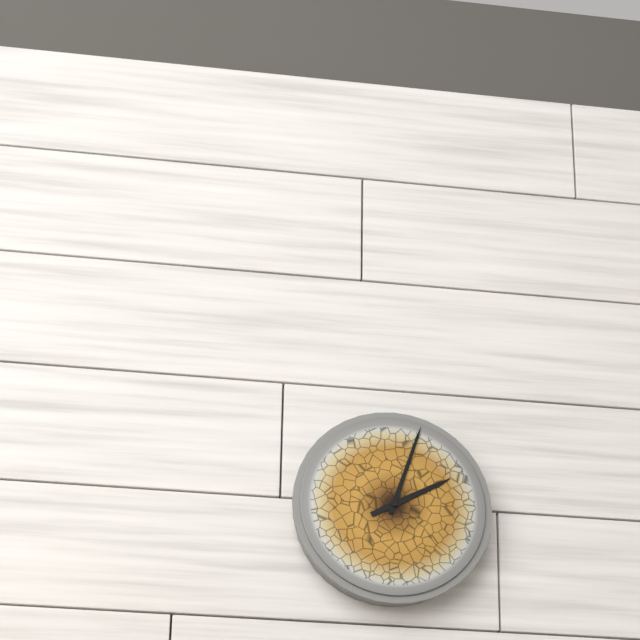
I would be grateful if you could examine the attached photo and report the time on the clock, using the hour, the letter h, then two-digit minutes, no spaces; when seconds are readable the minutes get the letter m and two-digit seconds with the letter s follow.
2h03
